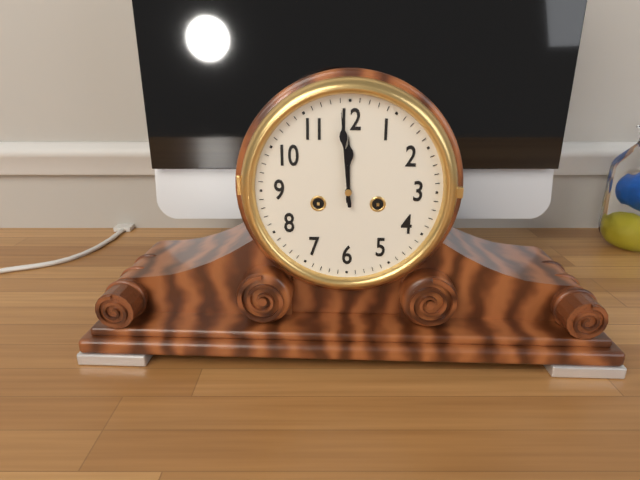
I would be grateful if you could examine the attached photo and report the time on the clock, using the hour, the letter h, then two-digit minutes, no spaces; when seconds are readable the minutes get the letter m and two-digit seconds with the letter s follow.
11h59
